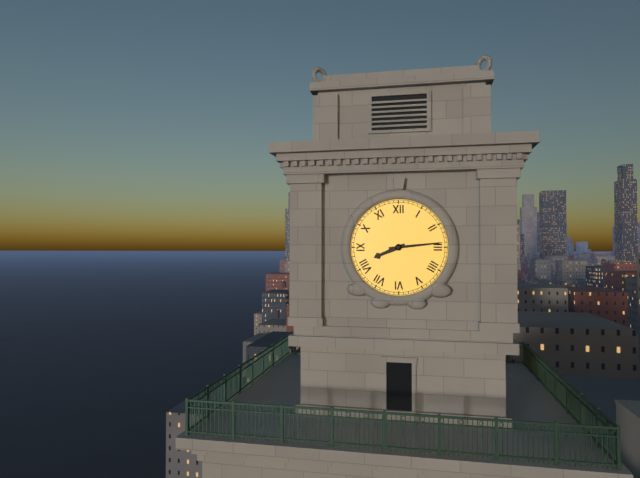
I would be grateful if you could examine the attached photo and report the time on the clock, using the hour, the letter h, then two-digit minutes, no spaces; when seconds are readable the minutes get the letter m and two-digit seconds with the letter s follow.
8h14
